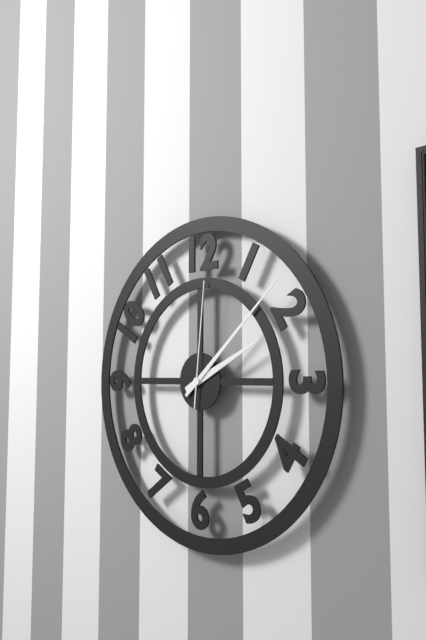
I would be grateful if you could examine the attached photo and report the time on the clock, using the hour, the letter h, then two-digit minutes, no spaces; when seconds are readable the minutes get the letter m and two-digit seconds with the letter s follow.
2h08m01s
